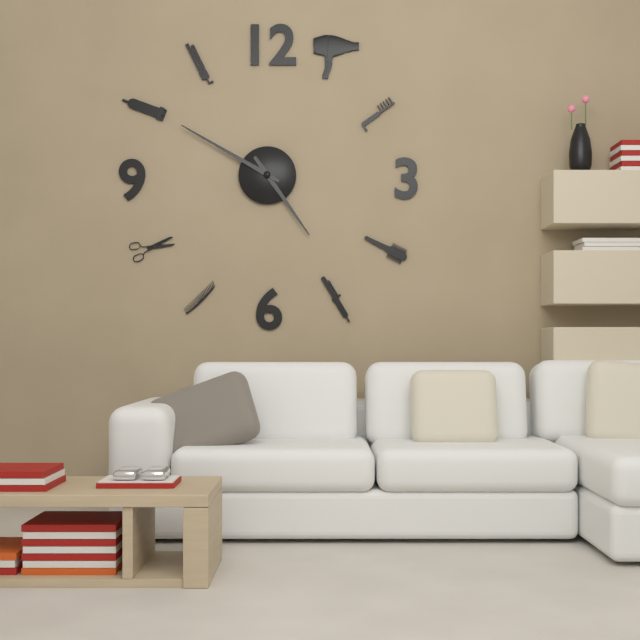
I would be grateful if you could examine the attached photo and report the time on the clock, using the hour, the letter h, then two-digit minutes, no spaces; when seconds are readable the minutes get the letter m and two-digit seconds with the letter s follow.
4h50
